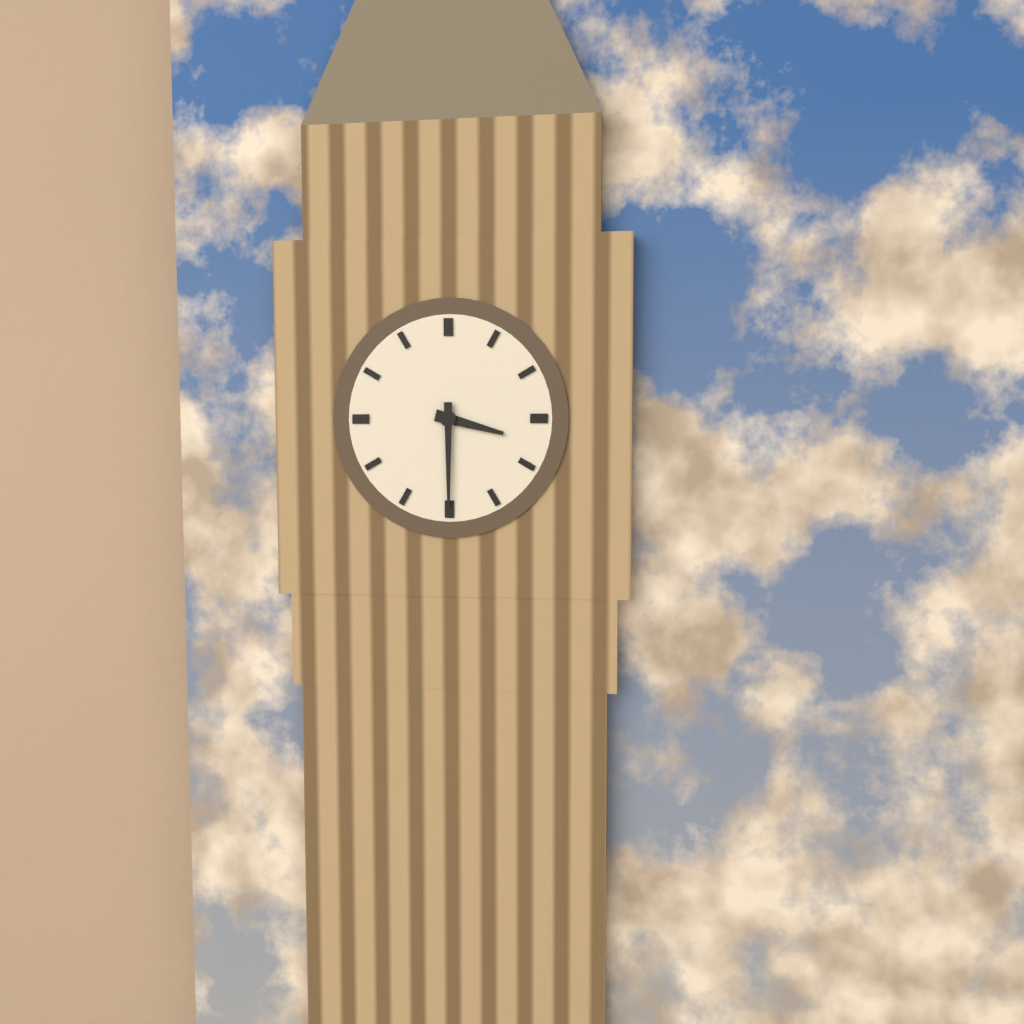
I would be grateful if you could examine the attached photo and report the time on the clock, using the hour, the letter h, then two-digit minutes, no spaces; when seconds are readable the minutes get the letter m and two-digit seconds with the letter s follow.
3h30
